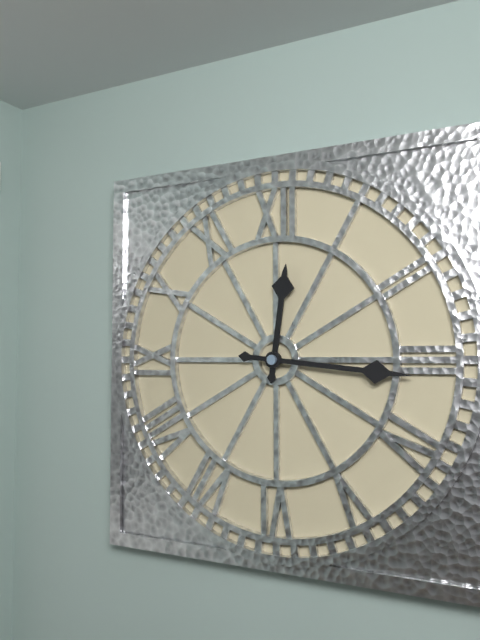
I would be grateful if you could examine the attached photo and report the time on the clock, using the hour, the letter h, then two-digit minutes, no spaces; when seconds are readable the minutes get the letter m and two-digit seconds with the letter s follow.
12h16
